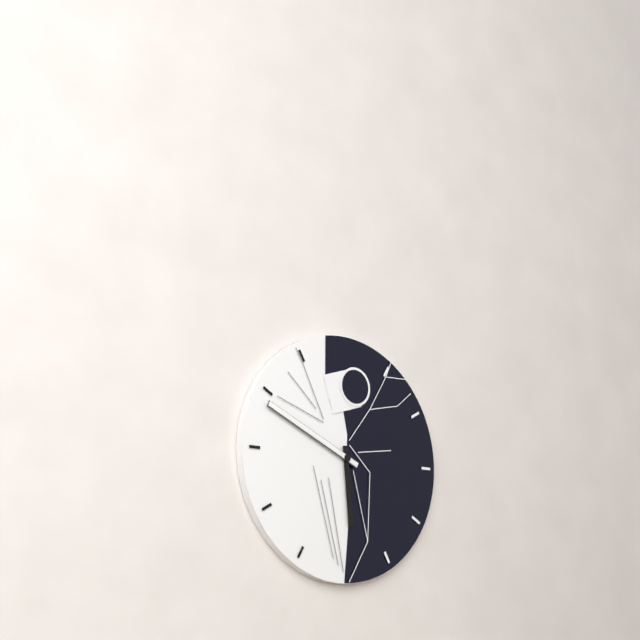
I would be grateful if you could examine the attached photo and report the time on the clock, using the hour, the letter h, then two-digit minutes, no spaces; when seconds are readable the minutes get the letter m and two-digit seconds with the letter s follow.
5h49
